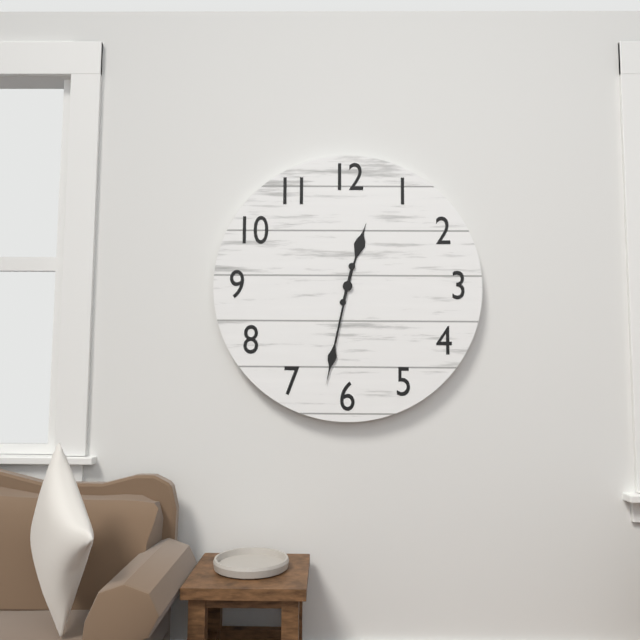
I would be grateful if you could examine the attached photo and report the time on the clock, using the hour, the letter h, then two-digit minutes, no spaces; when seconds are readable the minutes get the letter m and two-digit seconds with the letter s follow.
12h32
